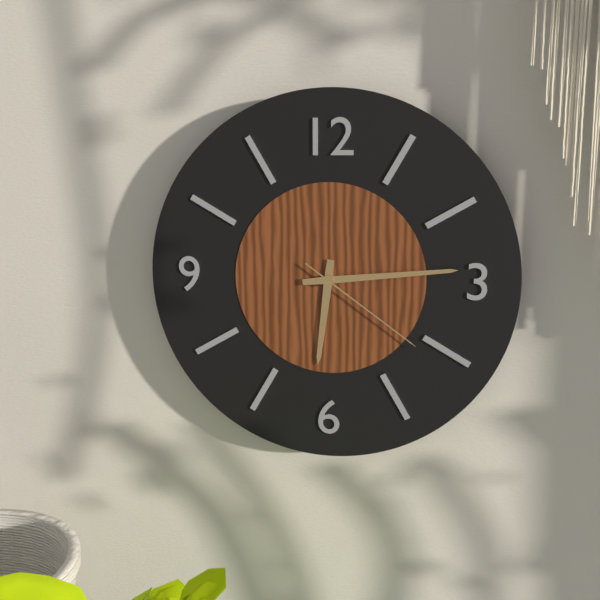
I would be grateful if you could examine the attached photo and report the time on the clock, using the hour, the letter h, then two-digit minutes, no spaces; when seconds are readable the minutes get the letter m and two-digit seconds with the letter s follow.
6h14m21s
